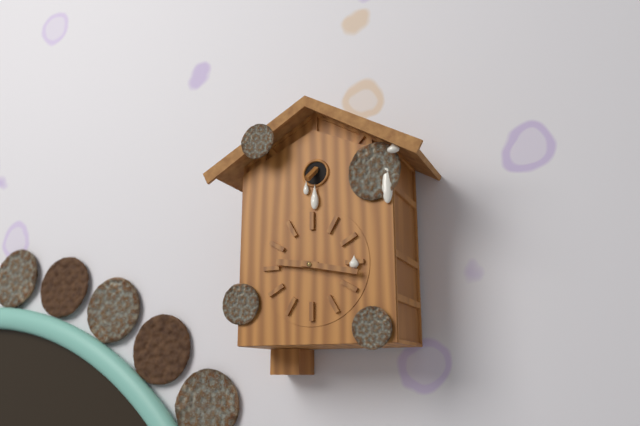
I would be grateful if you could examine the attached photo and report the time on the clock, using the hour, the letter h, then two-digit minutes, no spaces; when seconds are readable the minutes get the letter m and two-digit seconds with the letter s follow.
9h17
